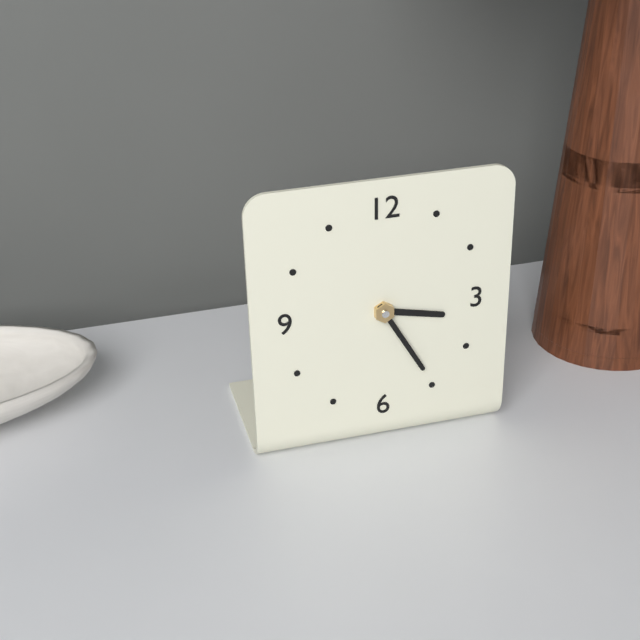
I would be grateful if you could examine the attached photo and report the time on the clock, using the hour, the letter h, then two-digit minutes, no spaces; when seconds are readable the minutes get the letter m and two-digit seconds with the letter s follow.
3h25
